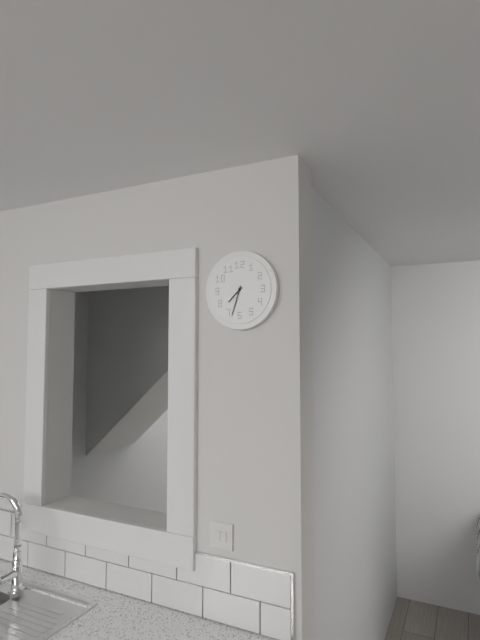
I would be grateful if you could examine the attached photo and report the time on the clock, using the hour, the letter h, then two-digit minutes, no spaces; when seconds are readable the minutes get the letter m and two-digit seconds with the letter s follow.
7h33
